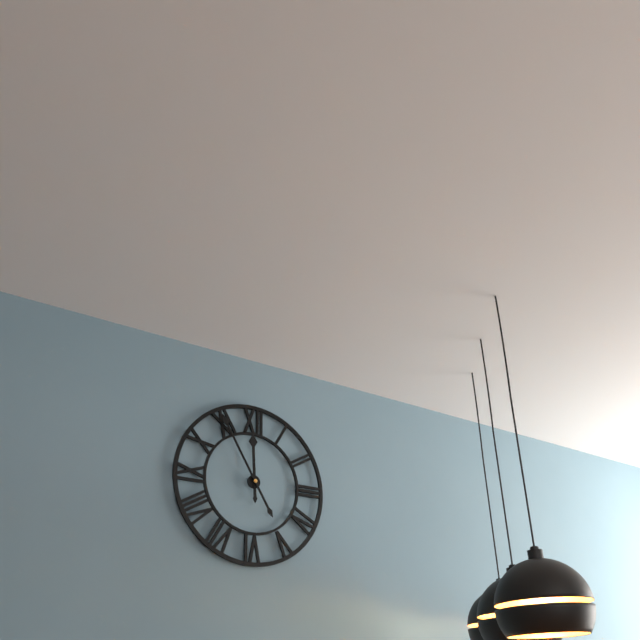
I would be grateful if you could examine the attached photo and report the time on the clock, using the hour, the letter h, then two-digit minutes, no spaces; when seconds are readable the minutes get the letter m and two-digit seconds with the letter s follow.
11h55
